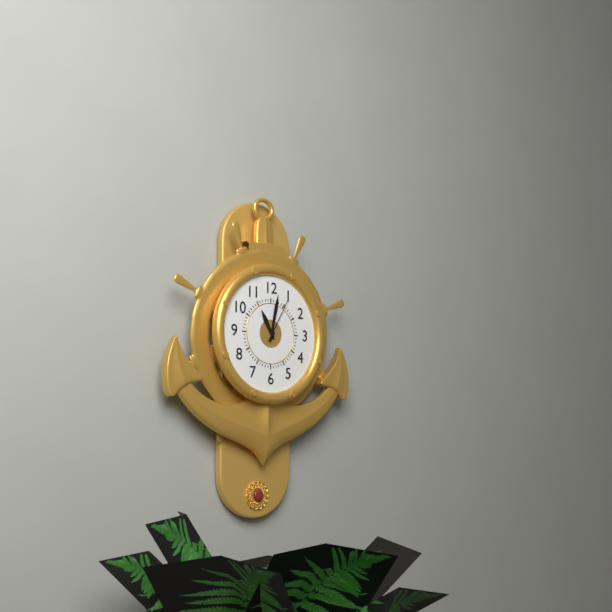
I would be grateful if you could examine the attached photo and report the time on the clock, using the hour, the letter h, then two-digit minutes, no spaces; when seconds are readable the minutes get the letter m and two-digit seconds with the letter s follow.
11h02
